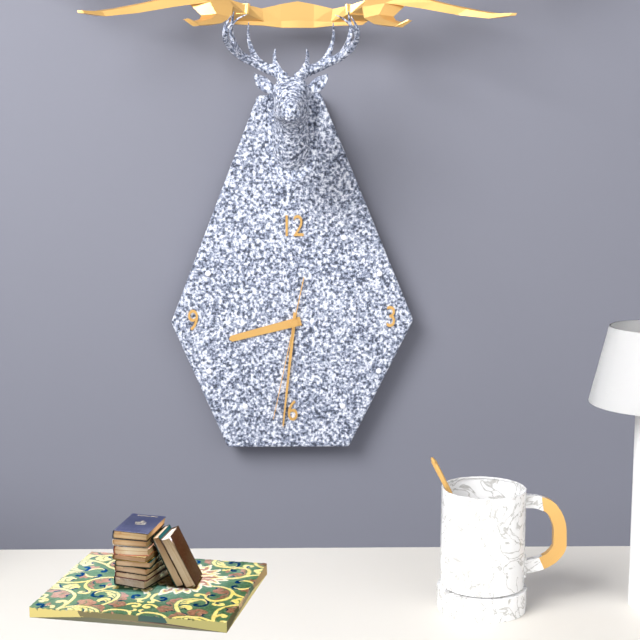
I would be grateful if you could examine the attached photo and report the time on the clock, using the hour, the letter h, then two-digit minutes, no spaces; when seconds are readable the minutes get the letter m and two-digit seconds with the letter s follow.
8h31m32s
